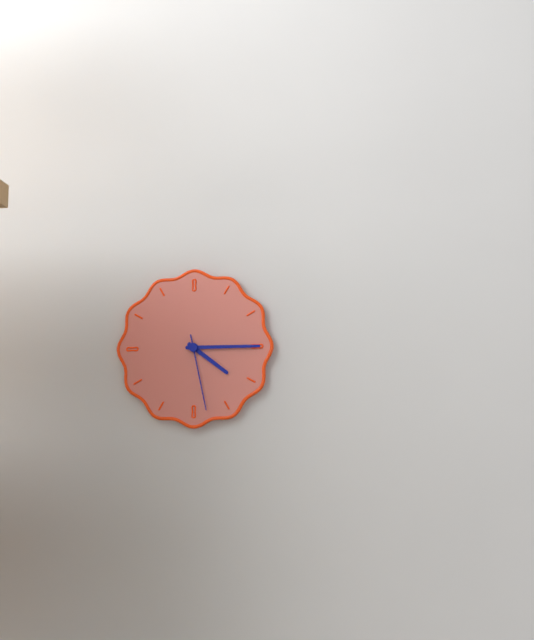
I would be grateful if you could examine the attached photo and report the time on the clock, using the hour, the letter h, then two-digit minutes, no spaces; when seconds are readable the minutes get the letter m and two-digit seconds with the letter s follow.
4h15m28s
